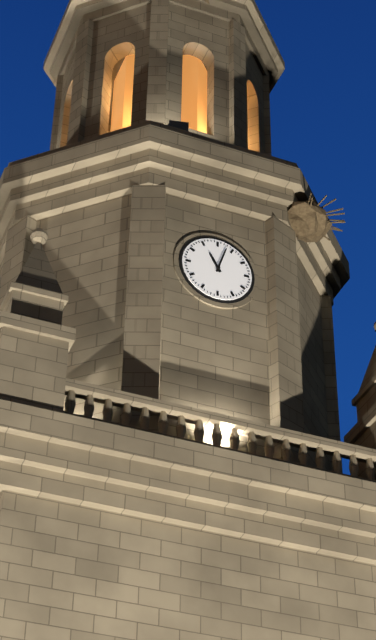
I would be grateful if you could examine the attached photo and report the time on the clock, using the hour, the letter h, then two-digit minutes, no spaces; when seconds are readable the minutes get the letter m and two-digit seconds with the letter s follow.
11h03
